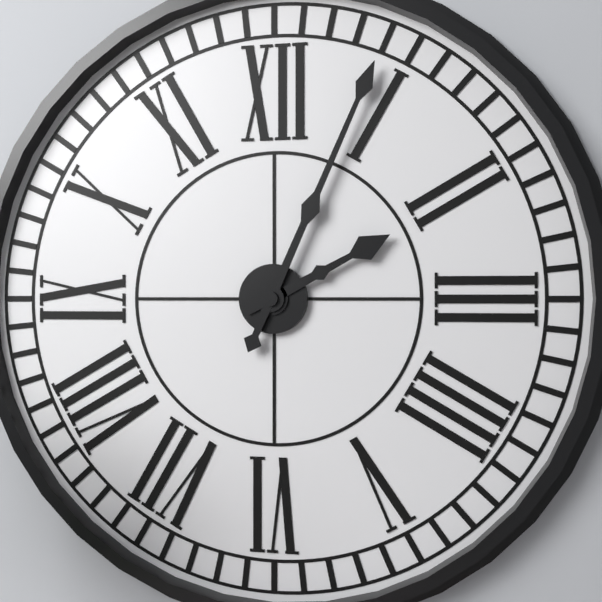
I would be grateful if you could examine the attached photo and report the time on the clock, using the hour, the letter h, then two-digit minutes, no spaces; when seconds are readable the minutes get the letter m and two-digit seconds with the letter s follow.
2h04
